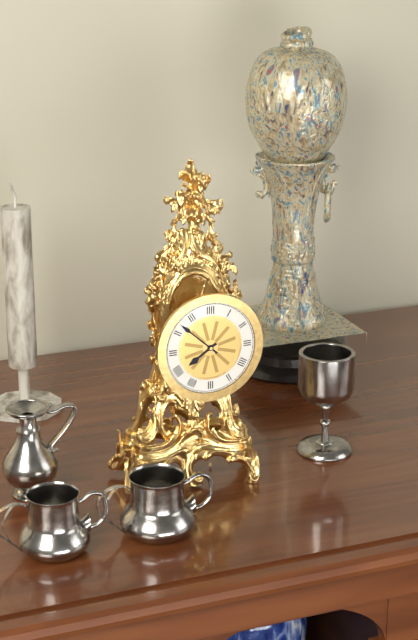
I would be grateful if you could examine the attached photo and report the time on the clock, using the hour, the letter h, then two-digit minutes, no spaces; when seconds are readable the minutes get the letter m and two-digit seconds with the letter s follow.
7h52
